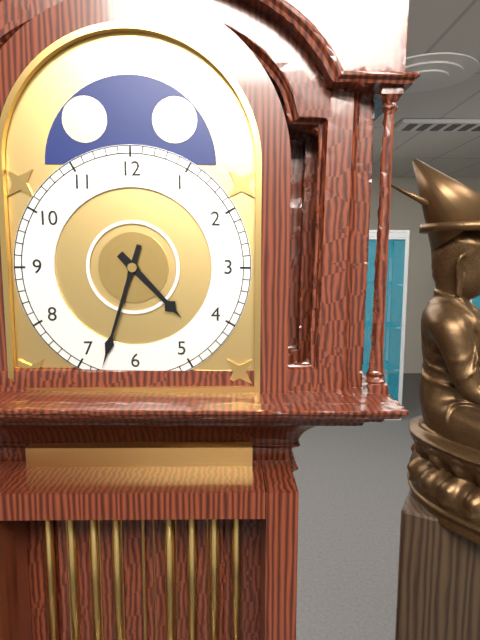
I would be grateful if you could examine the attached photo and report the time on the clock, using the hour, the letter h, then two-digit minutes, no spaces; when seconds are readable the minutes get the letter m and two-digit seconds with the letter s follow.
4h33
